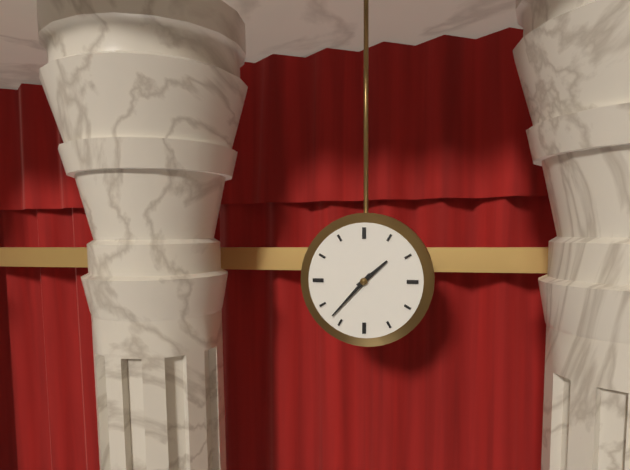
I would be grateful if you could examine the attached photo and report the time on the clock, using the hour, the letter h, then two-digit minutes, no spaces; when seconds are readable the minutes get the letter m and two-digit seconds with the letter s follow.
1h37
